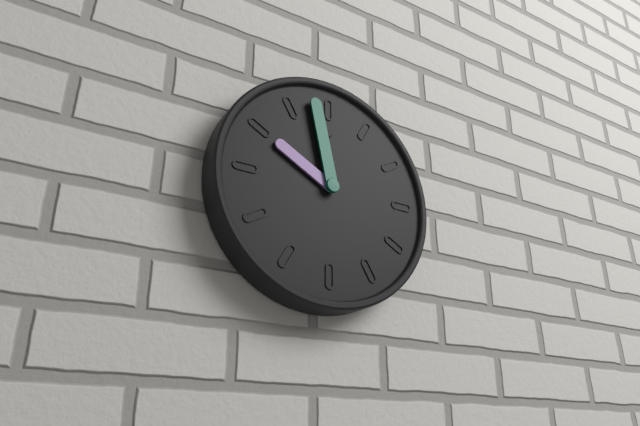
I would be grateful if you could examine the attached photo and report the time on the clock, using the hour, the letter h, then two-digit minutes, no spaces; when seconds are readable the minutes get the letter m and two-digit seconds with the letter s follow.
9h58
